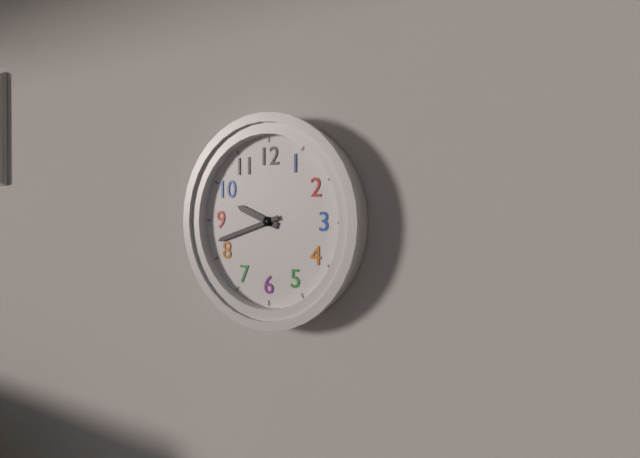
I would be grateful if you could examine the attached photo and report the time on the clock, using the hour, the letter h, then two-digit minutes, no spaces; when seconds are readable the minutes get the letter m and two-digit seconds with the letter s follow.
9h42
